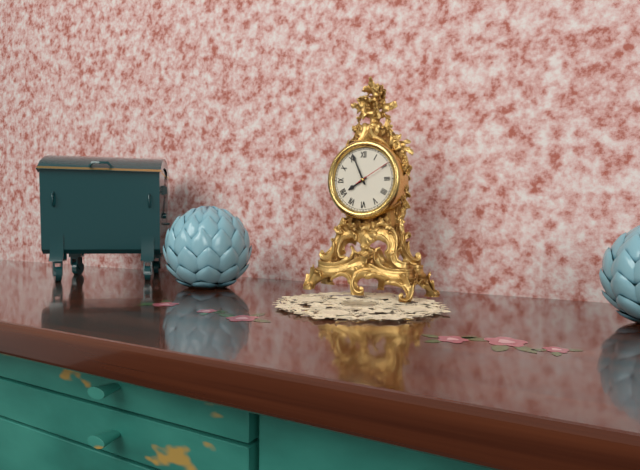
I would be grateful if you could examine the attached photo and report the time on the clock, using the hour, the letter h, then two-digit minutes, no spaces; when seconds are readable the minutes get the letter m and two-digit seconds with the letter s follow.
7h56
